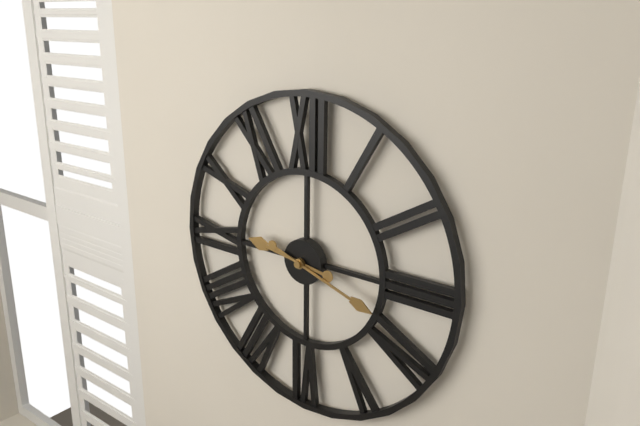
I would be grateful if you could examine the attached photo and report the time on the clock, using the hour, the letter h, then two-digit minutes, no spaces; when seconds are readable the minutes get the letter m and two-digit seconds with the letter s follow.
9h18
